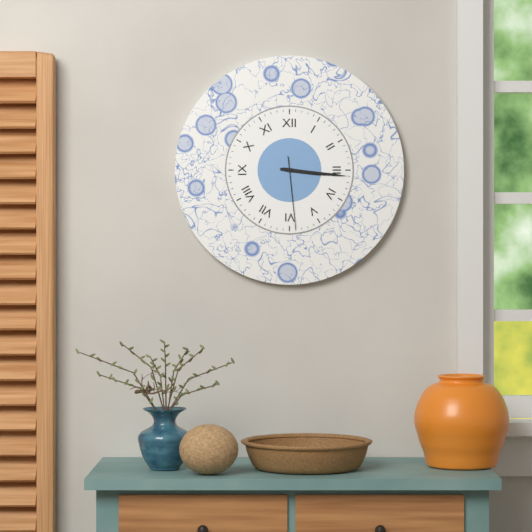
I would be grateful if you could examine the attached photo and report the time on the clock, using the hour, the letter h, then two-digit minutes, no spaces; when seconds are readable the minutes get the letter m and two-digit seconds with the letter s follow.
3h16m29s
